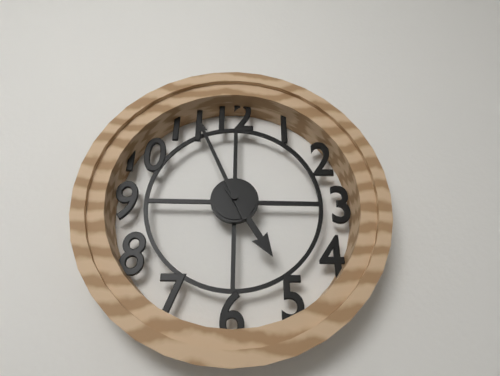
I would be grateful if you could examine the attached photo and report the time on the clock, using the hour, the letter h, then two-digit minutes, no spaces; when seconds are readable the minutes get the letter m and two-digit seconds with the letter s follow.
4h56
